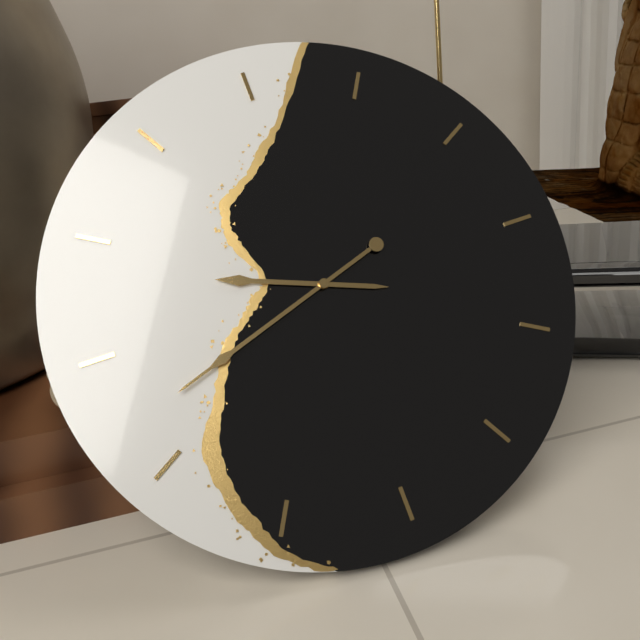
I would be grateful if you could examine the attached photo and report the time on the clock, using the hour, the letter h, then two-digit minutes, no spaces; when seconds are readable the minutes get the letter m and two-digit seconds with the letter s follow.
9h42
